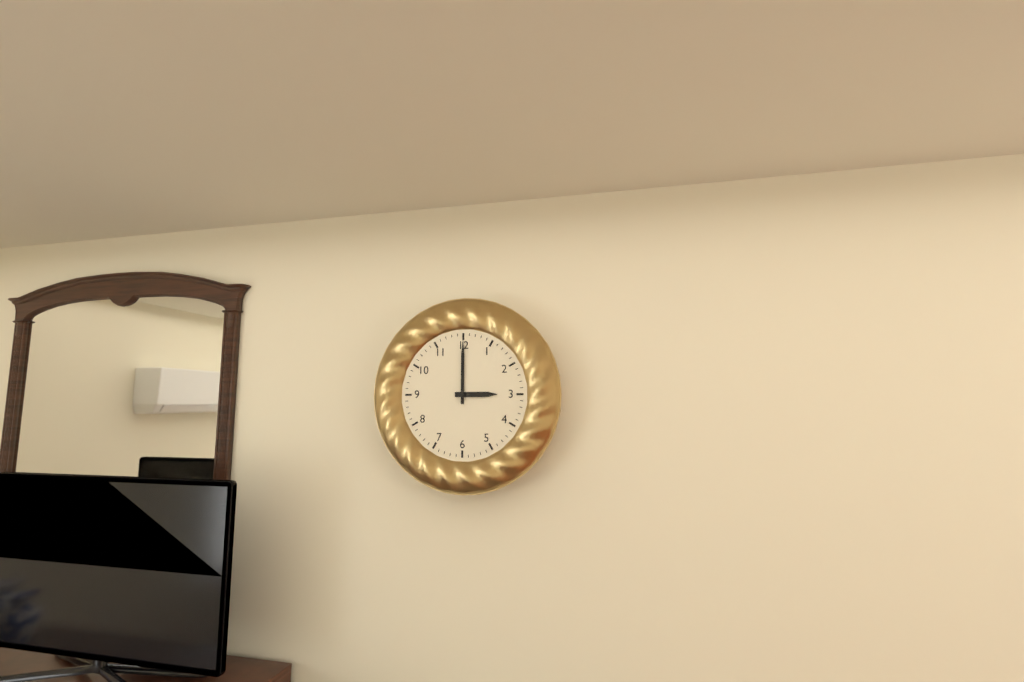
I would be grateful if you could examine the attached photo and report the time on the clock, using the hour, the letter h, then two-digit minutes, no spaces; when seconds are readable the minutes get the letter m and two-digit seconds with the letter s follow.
3h00
